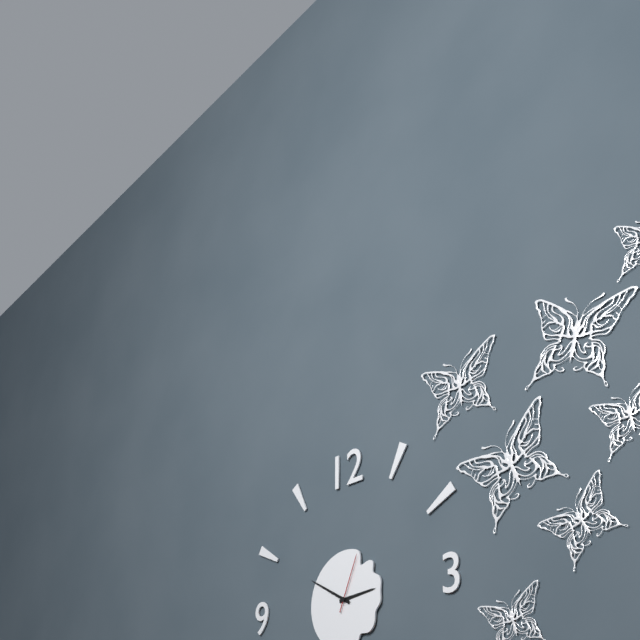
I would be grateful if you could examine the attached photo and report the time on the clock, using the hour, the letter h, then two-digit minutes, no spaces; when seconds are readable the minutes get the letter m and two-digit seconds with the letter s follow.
2h50m04s
